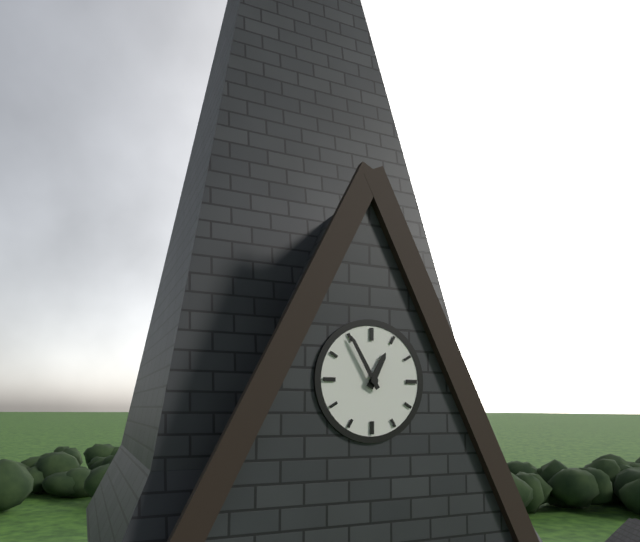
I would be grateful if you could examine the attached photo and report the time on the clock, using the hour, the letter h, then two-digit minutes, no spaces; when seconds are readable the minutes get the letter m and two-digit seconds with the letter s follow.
12h55
